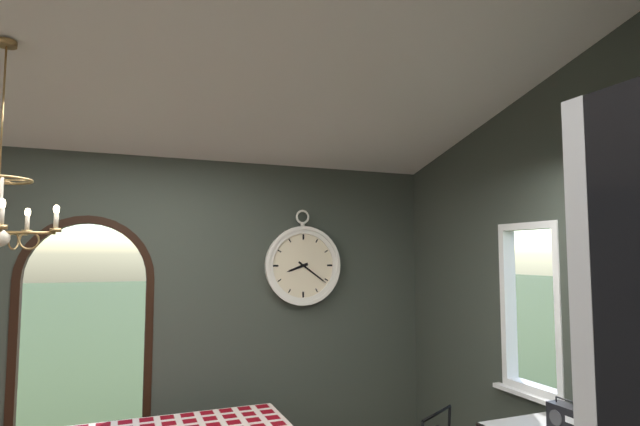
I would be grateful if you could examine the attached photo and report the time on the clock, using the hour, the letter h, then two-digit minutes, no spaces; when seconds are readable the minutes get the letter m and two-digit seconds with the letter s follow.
8h21
